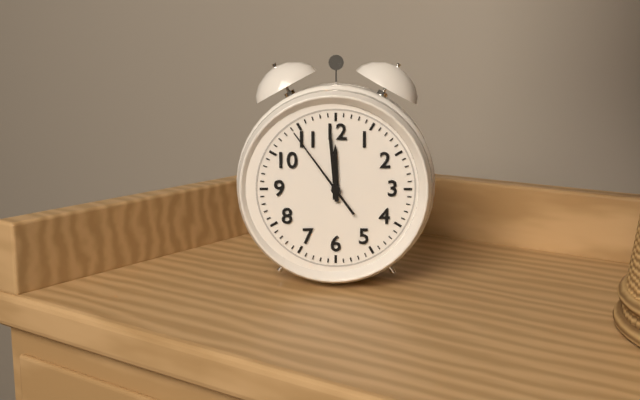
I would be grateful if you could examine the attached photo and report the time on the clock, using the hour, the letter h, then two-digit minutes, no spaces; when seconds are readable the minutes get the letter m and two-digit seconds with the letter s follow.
11h59m54s
